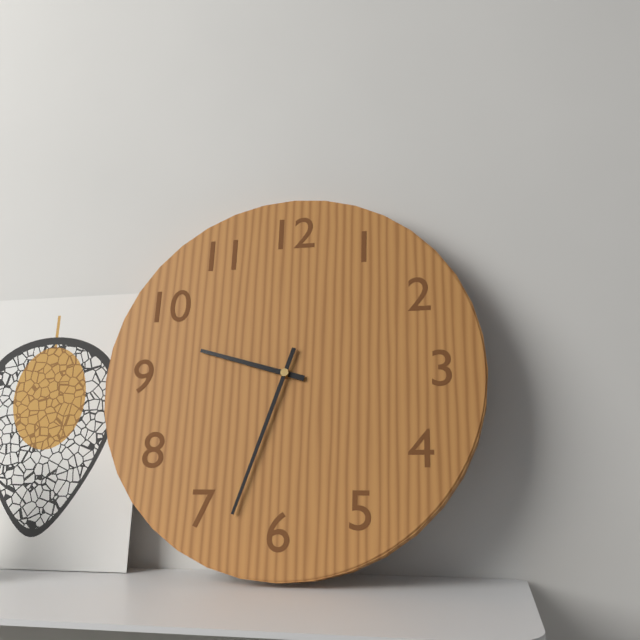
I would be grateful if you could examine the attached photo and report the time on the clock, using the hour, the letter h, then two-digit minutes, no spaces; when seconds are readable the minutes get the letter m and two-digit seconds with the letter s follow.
9h33
